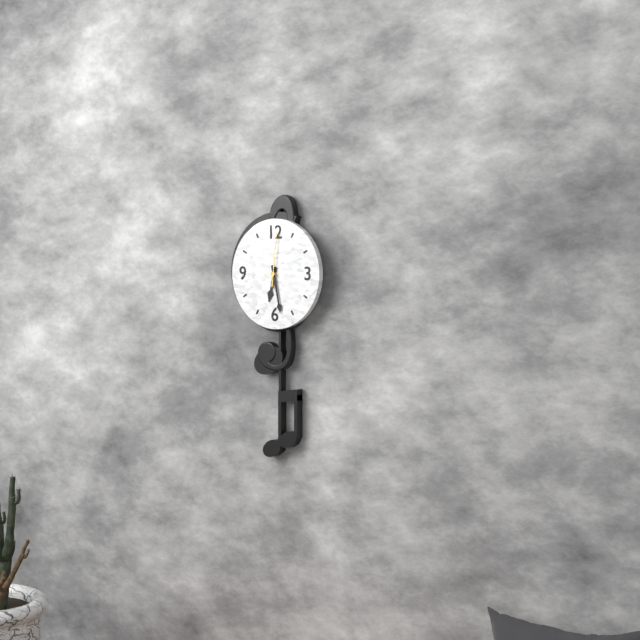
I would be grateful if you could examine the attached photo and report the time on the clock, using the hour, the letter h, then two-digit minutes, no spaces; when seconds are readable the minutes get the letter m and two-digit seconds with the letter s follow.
6h28m01s
